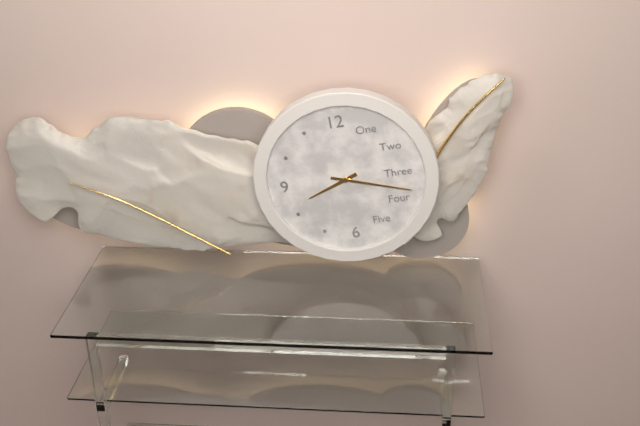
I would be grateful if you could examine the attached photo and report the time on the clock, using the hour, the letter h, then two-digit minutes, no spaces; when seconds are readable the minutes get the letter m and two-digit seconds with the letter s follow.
8h18
